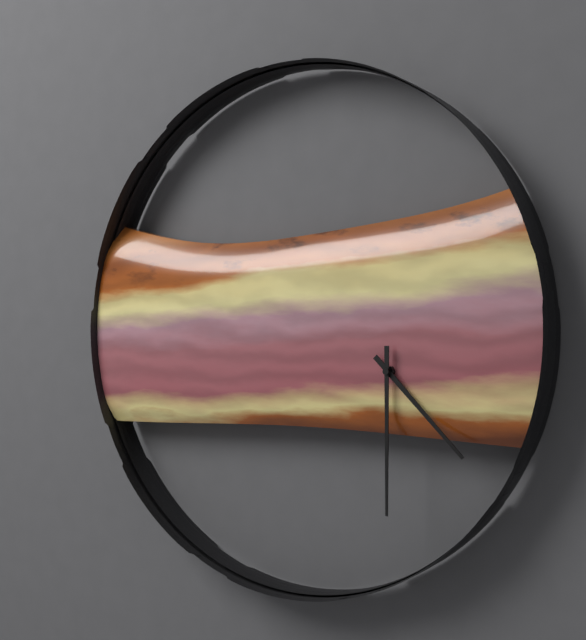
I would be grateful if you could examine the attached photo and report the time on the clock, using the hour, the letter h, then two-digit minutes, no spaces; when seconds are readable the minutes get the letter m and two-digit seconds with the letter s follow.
4h30
